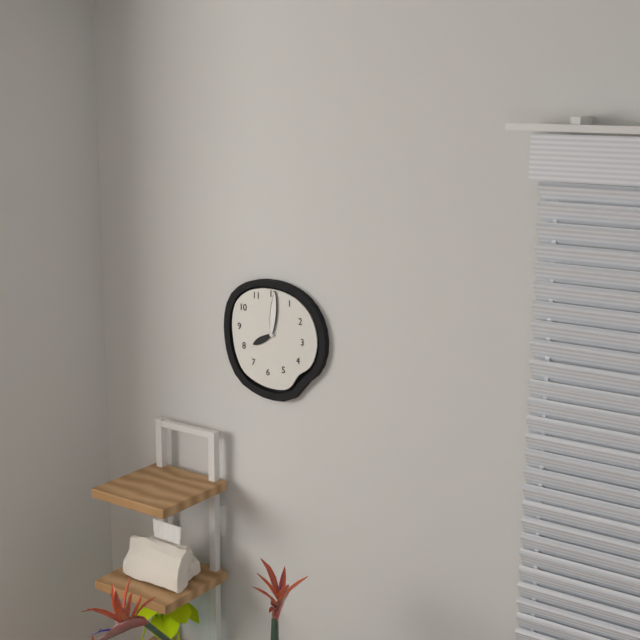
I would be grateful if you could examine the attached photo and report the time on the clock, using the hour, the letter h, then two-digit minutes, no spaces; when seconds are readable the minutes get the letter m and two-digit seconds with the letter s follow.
8h01
